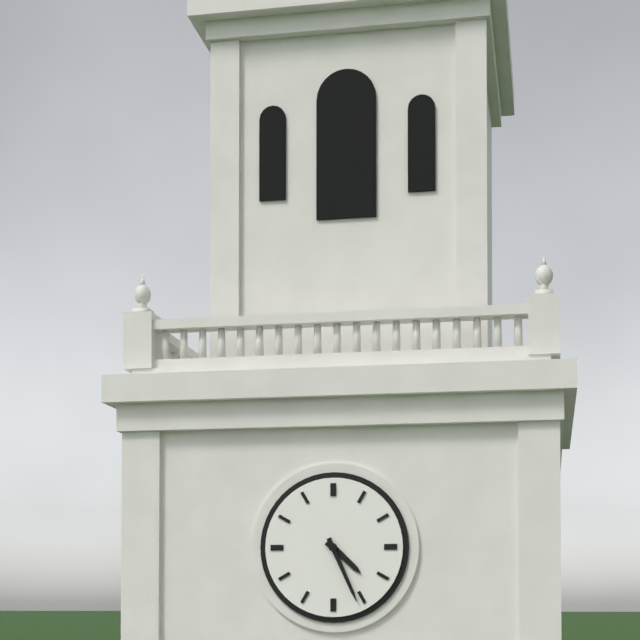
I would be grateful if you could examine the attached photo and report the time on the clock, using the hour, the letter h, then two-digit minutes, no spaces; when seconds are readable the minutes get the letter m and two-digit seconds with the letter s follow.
4h26
